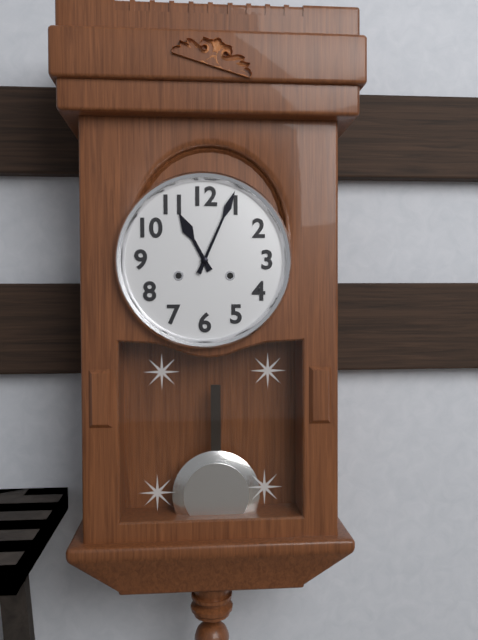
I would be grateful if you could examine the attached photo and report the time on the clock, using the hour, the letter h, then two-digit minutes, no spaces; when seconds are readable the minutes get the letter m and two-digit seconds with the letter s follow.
11h04
